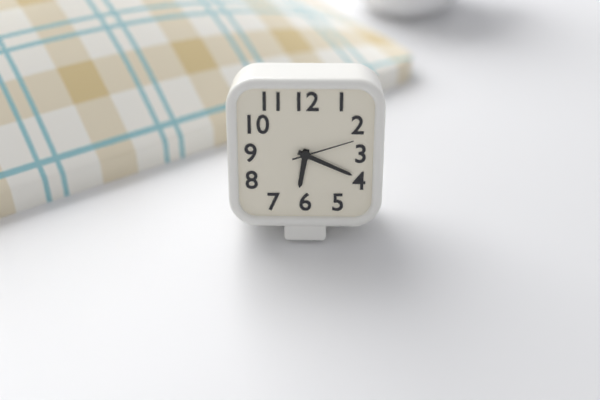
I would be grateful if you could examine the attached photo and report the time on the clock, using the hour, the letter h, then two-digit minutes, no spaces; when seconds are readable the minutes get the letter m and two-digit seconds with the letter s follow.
6h19m12s
